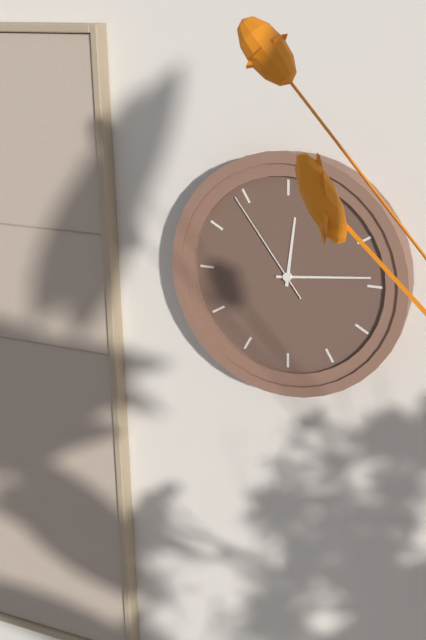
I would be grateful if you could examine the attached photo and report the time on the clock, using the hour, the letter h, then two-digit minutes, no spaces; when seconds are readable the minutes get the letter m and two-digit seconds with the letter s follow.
12h14m54s
